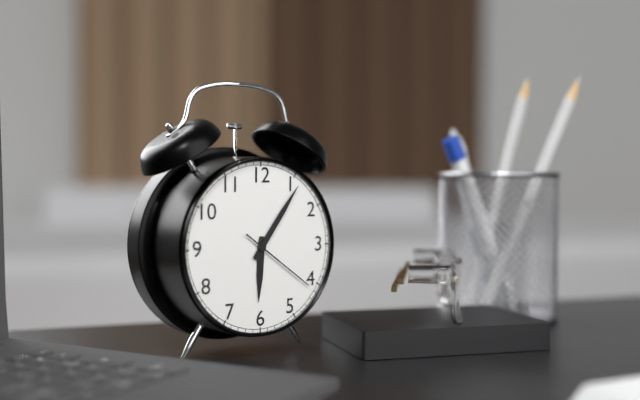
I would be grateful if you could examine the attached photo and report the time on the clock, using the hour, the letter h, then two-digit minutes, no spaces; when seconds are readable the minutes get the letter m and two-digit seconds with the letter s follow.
6h06m21s
